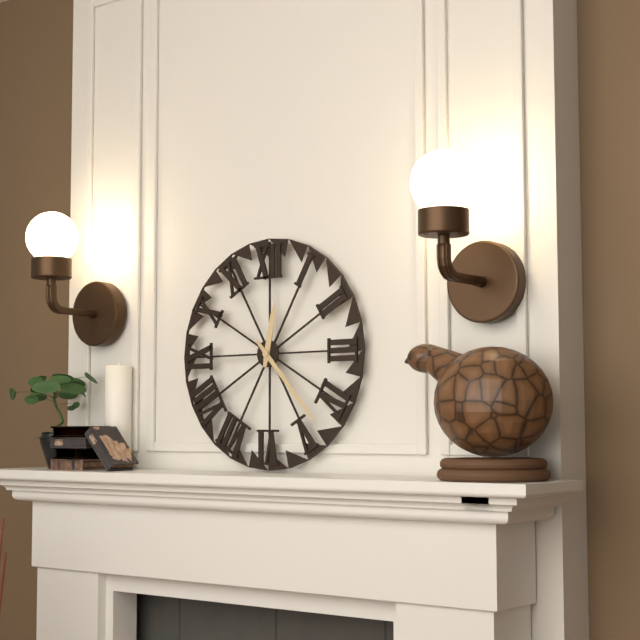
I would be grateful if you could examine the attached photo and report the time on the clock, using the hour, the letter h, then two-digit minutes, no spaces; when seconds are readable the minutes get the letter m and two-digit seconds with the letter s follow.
12h23
